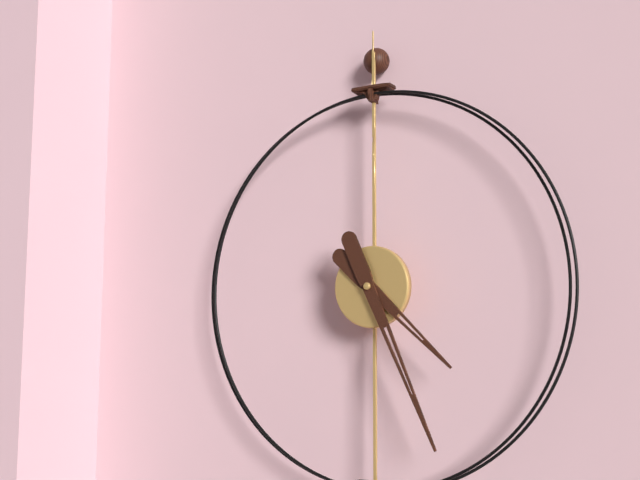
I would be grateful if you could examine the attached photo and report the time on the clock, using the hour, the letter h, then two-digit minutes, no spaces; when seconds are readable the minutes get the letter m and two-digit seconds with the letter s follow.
4h26
